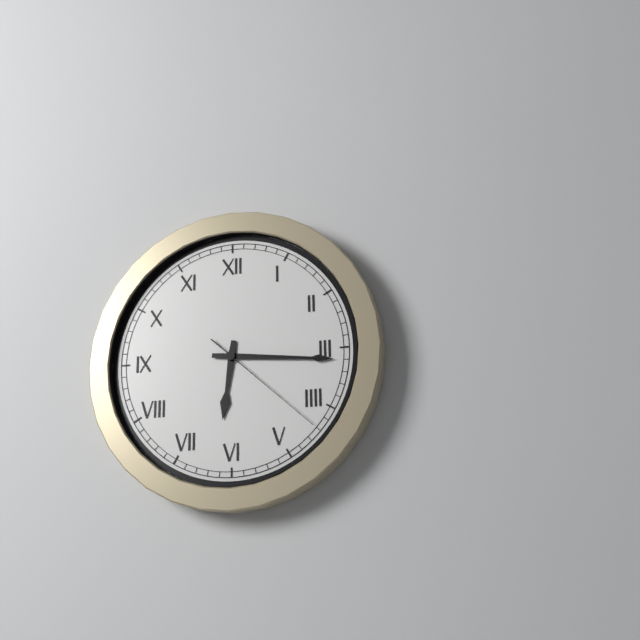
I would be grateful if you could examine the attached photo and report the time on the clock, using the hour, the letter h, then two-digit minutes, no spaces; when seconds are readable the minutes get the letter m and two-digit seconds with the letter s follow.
6h16m22s
